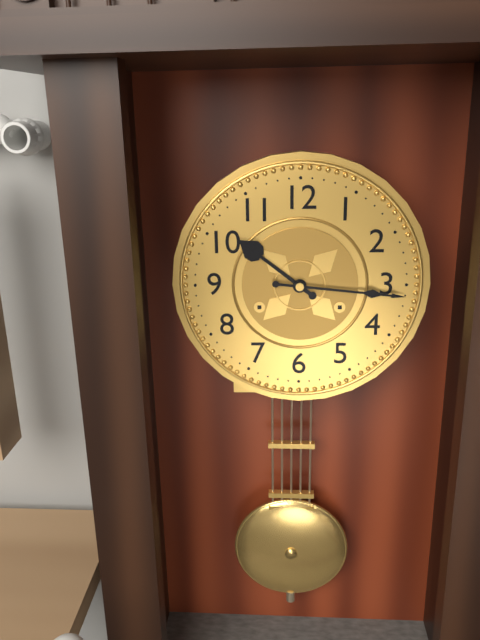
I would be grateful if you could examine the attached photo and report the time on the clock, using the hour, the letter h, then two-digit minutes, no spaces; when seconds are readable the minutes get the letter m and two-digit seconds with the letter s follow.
10h16
